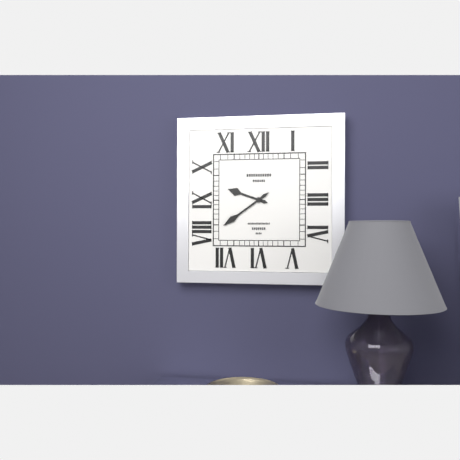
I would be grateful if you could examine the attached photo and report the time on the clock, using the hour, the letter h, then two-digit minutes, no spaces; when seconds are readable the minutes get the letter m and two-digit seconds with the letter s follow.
9h39
